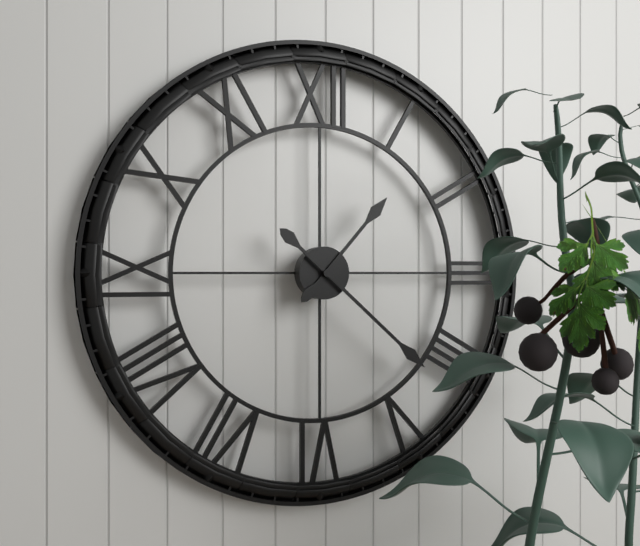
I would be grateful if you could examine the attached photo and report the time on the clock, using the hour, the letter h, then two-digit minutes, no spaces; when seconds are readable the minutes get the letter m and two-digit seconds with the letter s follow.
1h22
